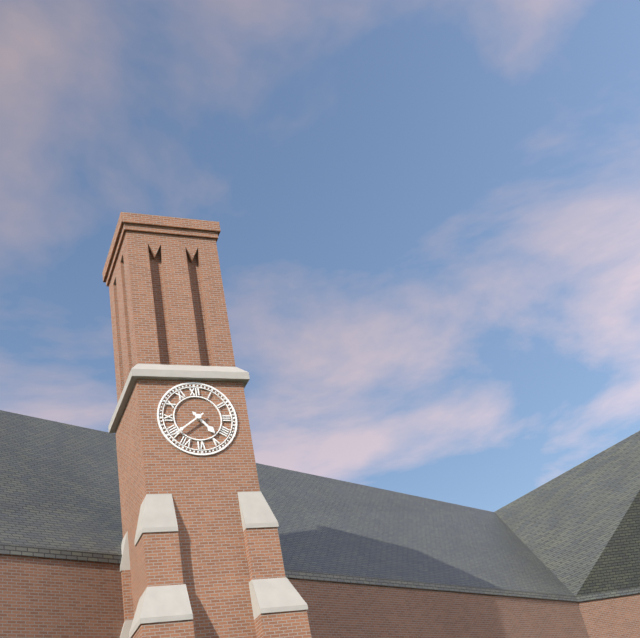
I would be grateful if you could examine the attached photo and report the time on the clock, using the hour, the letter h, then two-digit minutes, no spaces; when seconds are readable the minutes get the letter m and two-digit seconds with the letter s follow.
4h39
